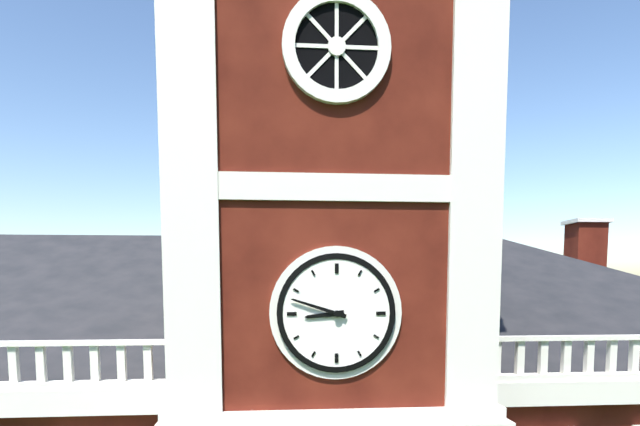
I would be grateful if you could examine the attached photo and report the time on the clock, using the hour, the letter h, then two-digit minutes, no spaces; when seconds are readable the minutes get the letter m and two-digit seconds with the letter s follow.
8h48
